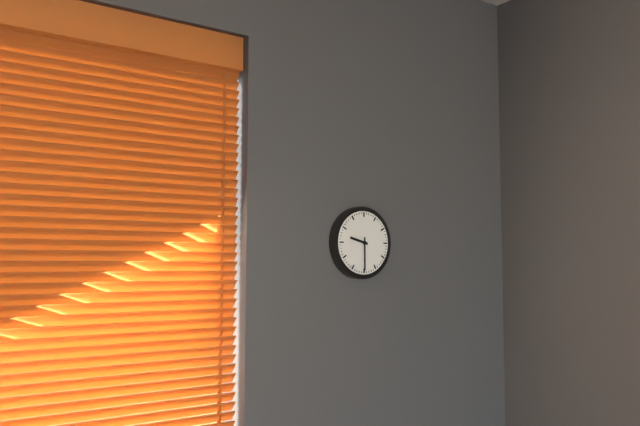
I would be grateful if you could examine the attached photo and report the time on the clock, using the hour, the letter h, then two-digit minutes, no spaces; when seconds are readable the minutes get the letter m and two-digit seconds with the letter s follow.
9h30
